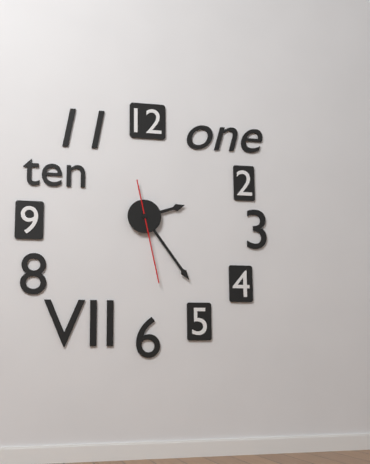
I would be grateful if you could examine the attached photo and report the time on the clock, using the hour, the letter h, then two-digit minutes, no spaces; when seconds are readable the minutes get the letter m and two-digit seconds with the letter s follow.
2h24m28s
